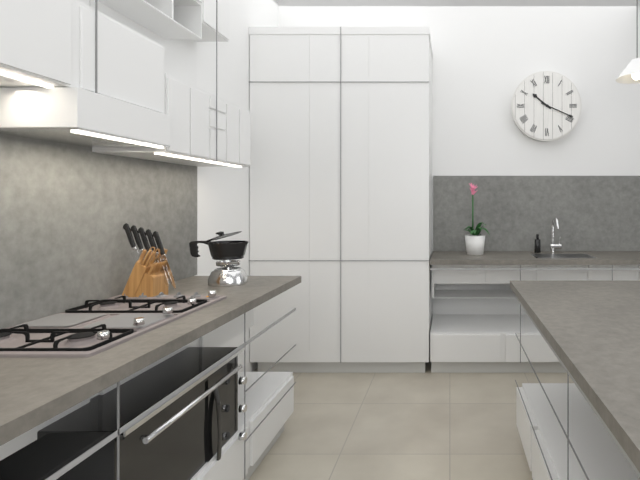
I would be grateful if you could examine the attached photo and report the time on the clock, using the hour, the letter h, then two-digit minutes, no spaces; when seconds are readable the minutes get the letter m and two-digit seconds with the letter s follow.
10h19
